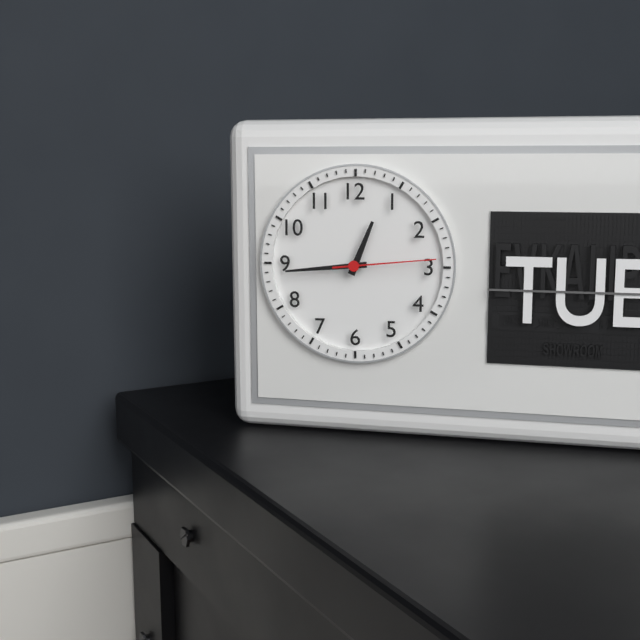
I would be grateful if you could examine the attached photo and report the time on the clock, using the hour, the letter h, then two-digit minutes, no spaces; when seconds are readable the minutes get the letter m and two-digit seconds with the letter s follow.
12h44m14s
